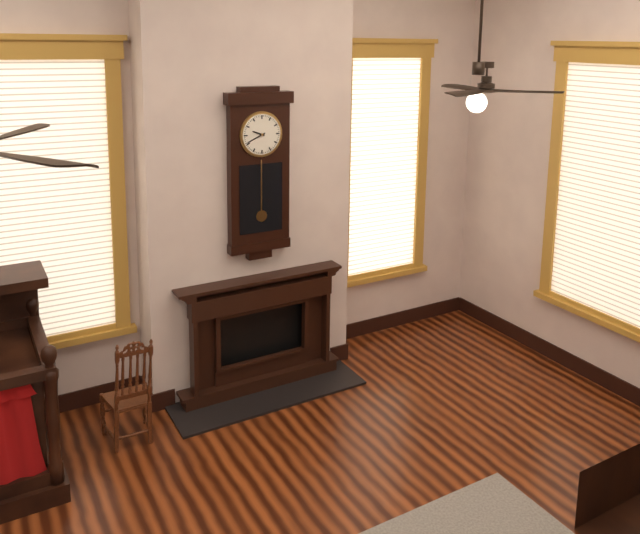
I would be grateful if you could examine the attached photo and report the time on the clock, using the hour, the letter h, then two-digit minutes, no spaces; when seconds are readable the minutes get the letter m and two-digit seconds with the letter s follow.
9h41
